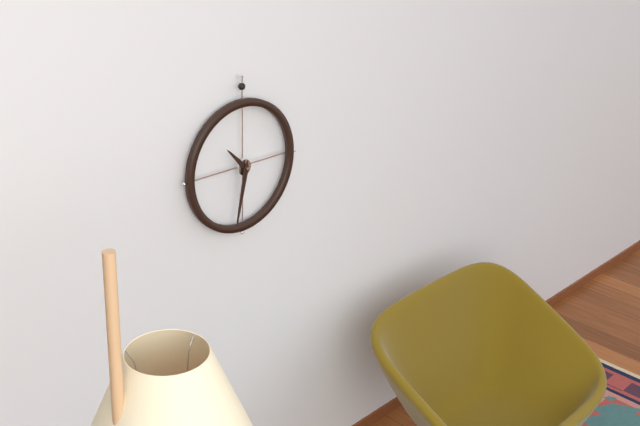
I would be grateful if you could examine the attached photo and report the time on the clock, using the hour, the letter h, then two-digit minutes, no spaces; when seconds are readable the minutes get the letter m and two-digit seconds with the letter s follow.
10h32
